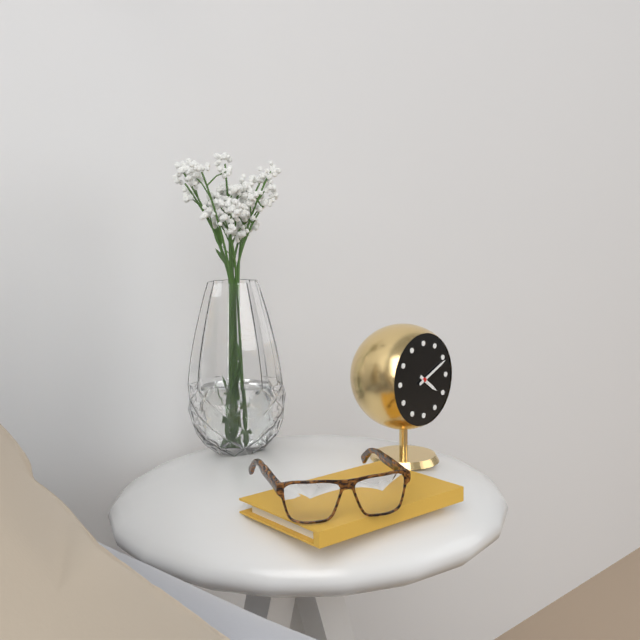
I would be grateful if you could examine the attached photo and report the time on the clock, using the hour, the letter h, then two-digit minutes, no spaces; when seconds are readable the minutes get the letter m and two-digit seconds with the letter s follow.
4h11
